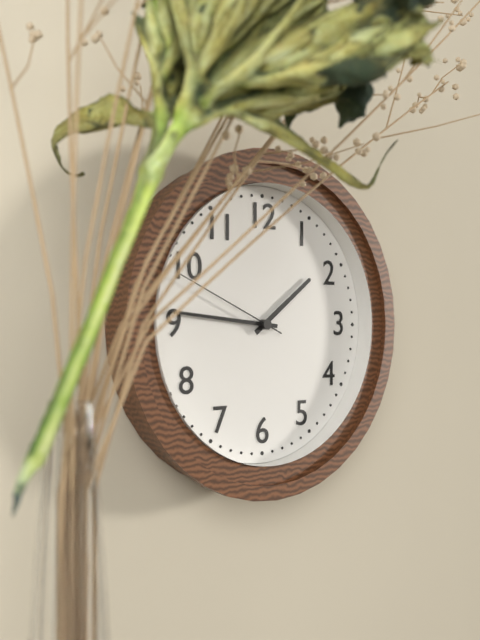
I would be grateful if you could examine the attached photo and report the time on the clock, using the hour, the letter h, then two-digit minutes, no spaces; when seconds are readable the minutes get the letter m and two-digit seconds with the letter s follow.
1h46m49s
